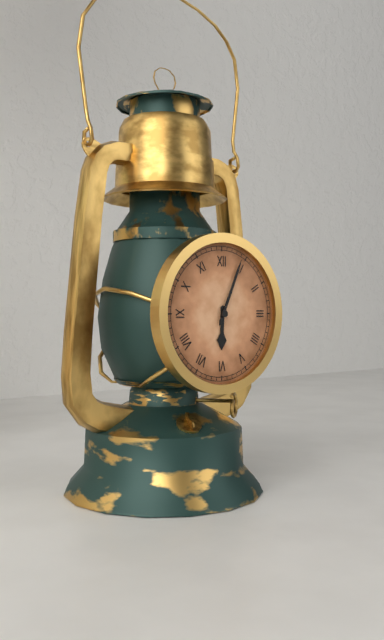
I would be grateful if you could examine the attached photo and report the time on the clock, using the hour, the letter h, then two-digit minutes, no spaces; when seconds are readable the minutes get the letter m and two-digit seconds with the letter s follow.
6h04
